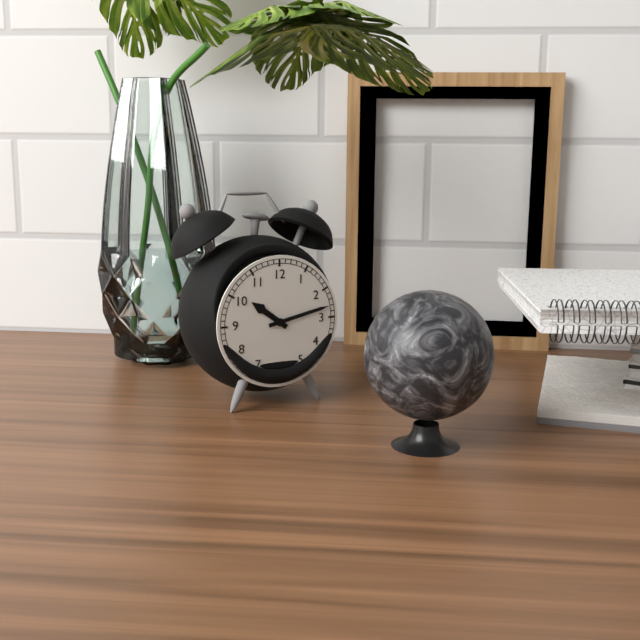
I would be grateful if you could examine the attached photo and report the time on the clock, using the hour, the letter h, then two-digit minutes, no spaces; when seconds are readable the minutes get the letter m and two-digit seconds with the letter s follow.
10h13
